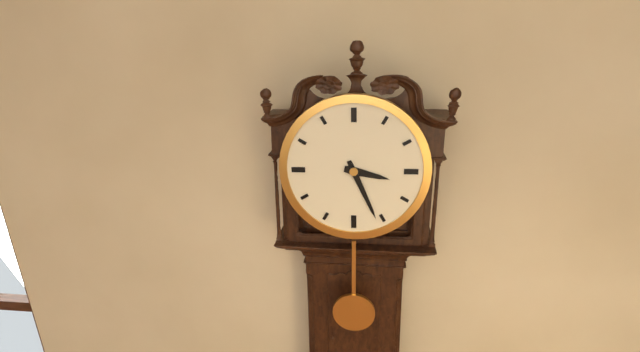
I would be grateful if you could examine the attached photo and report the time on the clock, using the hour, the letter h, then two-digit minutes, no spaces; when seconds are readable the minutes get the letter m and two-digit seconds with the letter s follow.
3h26
